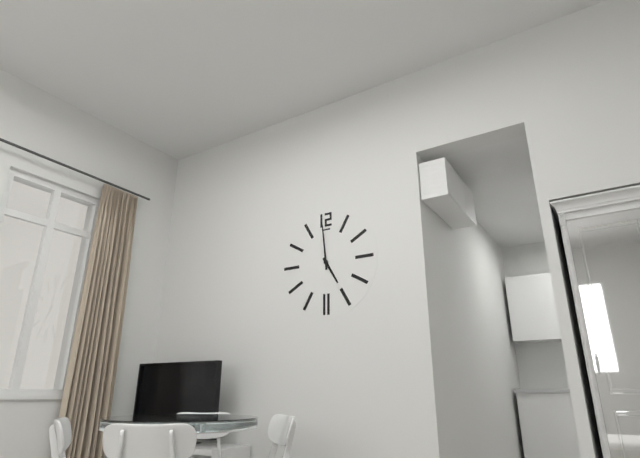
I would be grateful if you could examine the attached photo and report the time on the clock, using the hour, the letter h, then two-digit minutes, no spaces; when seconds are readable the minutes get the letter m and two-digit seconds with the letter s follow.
4h59
